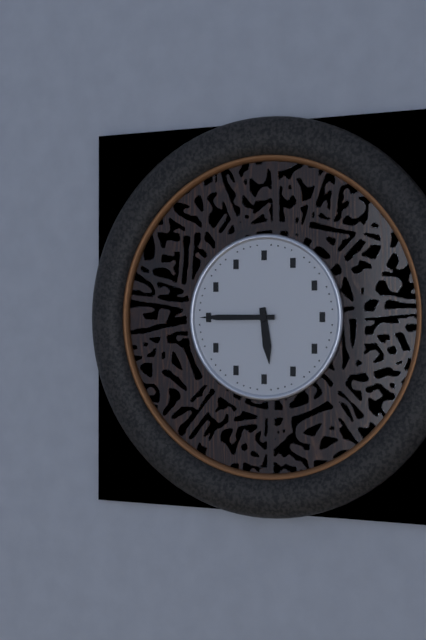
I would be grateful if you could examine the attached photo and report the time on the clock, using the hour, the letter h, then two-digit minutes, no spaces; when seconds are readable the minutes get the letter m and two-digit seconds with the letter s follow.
5h45
